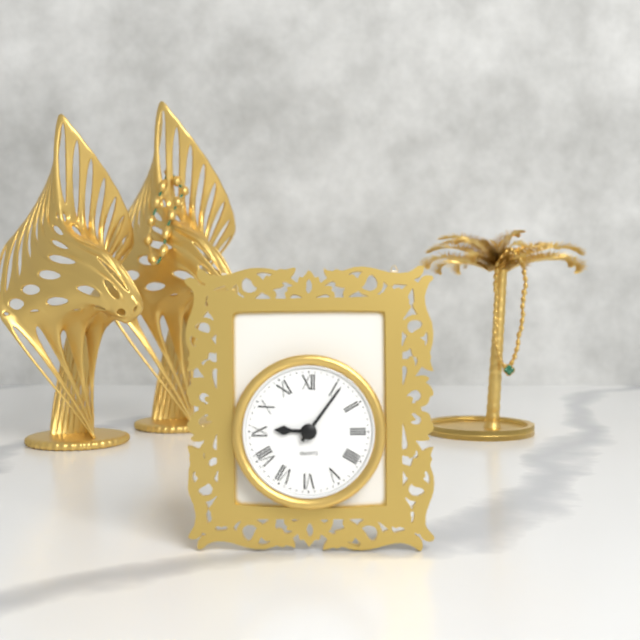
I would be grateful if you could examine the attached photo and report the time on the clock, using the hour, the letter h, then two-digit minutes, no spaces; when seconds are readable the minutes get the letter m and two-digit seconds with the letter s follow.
9h06
